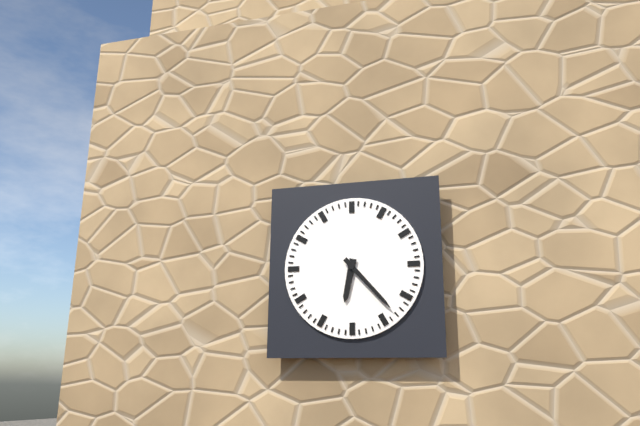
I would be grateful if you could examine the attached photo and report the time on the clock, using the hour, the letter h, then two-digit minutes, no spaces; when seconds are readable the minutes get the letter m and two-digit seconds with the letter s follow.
6h23
